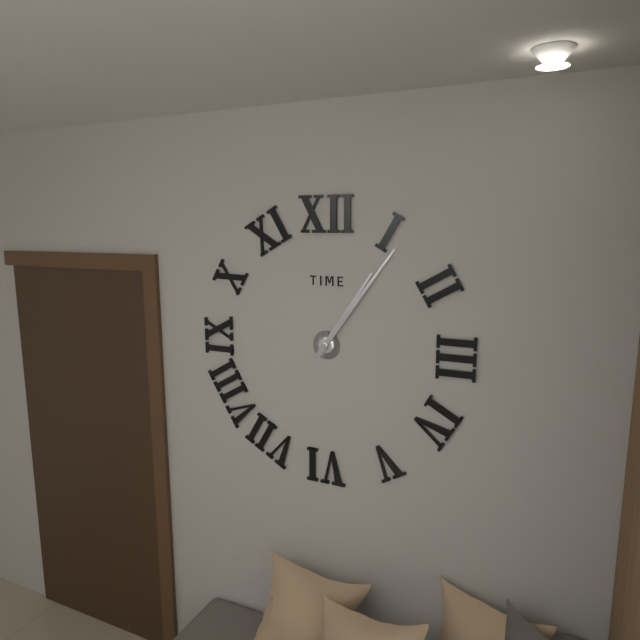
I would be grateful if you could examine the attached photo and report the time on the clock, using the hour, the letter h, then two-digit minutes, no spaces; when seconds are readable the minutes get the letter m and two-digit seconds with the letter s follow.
1h06
